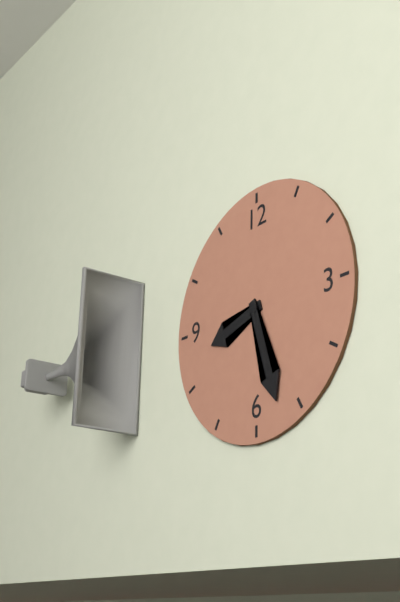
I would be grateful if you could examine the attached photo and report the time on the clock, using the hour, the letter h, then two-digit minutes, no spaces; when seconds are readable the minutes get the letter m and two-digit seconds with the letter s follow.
8h27
